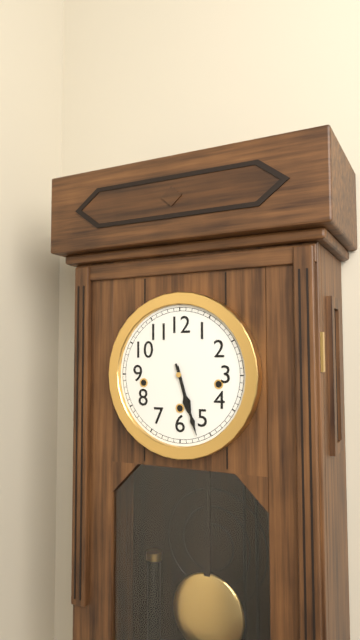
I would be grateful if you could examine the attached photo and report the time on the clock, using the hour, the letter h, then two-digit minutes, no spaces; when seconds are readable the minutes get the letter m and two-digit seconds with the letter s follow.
5h27
